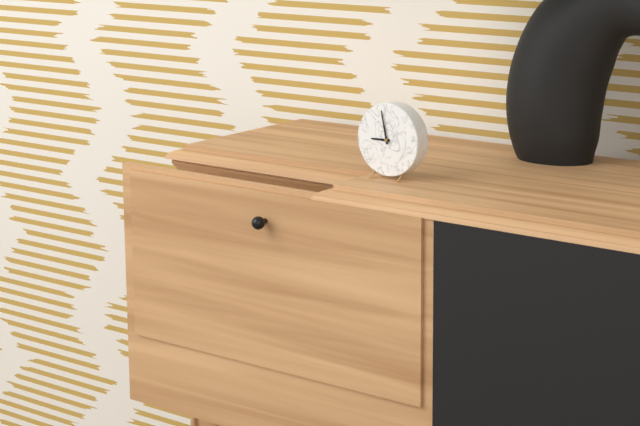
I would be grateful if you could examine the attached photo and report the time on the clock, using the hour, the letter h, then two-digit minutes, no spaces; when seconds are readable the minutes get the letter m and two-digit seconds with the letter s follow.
8h58
